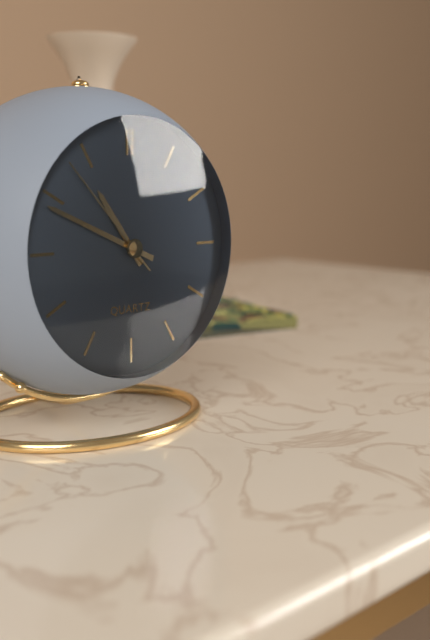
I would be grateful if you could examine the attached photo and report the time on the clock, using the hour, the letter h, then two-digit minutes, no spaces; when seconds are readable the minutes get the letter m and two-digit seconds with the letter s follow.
10h49m53s
